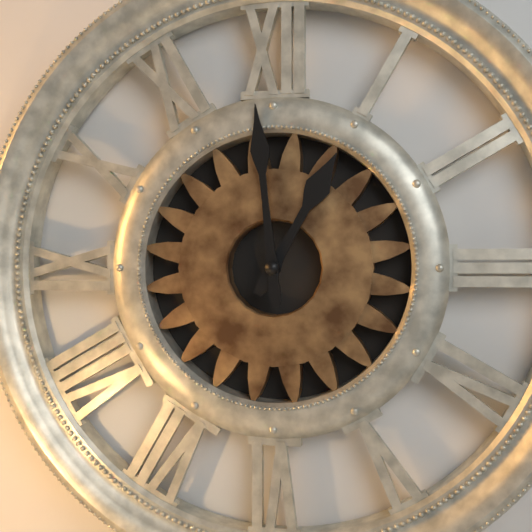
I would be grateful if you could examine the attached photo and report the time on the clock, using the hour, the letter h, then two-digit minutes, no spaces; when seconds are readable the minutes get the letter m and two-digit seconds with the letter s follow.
12h59
